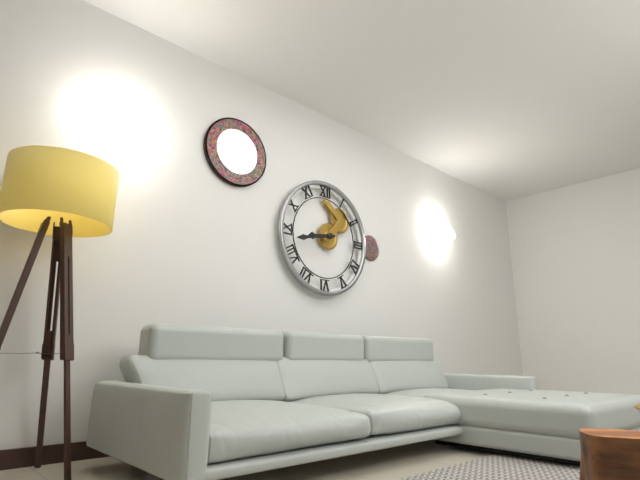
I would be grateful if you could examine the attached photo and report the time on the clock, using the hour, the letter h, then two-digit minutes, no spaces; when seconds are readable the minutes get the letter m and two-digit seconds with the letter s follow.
8h43
